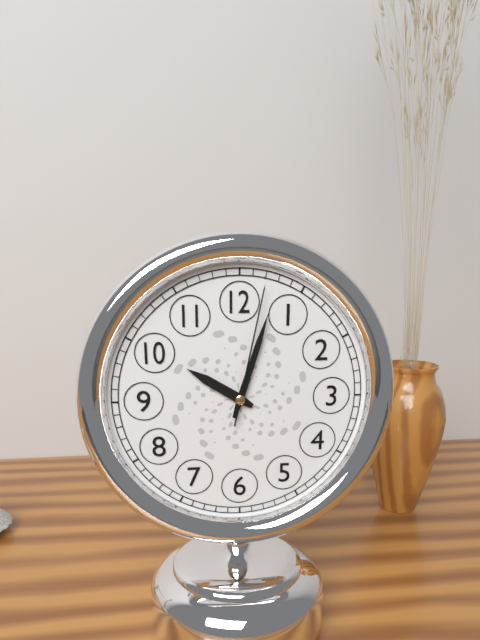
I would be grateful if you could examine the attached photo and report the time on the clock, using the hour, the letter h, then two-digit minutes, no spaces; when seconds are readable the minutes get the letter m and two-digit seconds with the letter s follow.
10h03m02s
